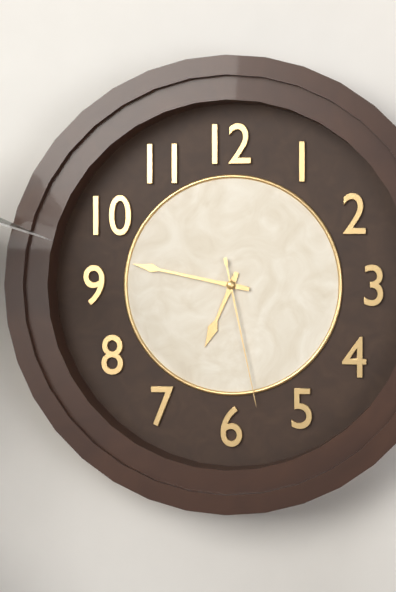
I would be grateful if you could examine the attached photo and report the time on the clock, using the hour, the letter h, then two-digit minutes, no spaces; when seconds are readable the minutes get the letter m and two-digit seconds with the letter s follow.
6h47m28s
